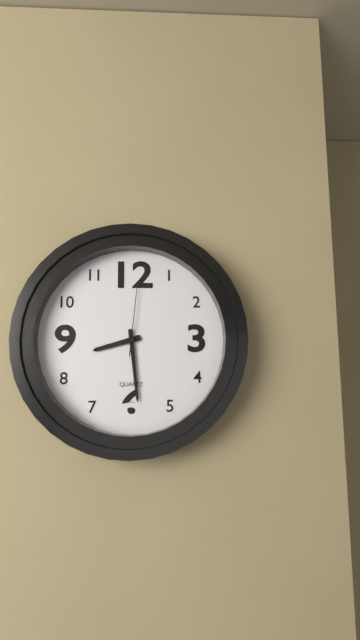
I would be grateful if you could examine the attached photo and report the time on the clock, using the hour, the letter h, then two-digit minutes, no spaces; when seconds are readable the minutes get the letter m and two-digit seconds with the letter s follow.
8h29m01s
